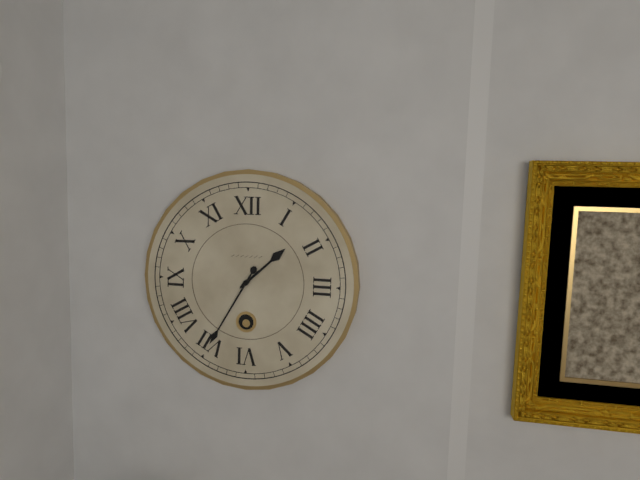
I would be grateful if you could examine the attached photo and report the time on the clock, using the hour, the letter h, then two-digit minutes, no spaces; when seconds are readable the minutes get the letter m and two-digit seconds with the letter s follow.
1h35
